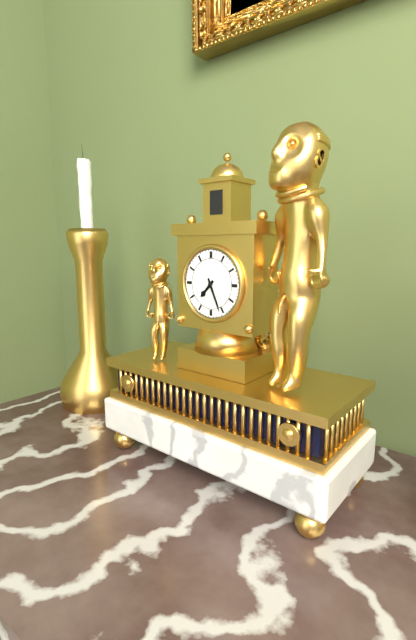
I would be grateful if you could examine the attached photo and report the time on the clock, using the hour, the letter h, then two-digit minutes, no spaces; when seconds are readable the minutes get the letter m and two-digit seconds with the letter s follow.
7h26
